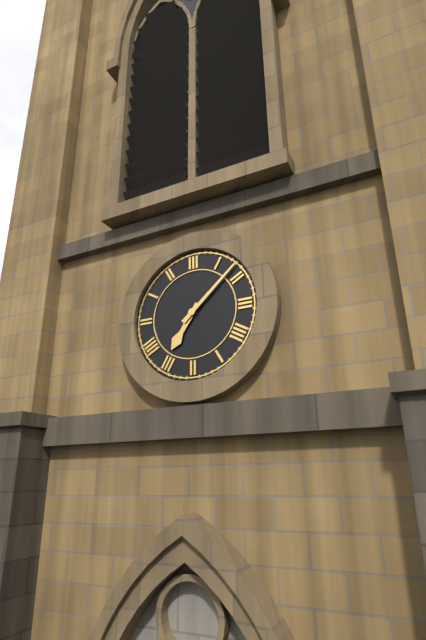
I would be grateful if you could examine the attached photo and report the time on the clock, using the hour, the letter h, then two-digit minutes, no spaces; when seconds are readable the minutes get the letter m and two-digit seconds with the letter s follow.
7h08
